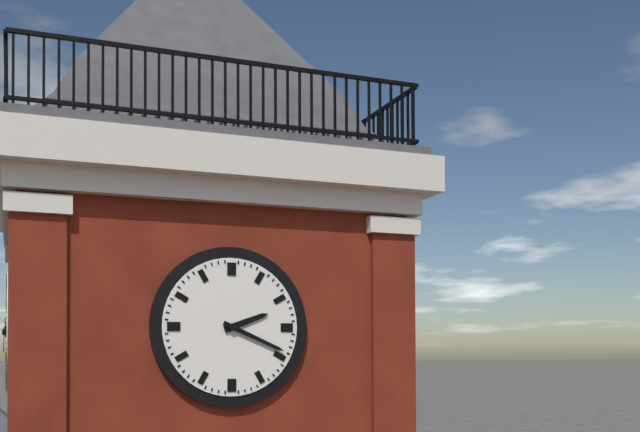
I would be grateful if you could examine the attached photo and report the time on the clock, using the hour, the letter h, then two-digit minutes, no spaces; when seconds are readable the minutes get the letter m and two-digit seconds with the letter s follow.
2h19
